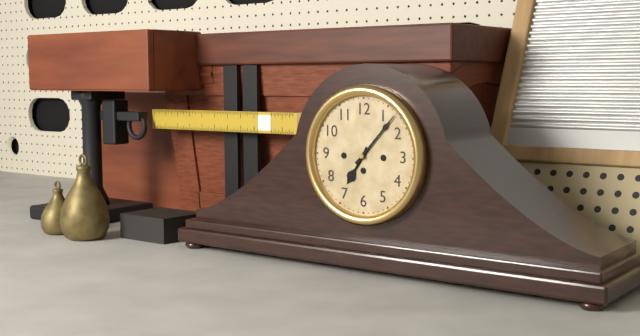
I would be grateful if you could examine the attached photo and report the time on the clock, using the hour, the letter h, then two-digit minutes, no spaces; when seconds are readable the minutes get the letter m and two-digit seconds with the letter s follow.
7h07
